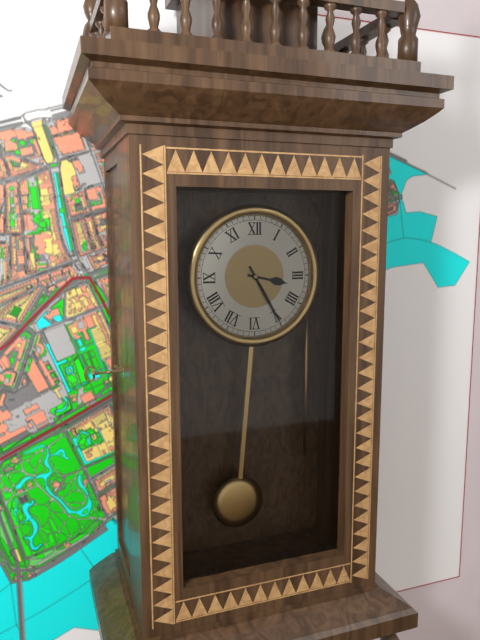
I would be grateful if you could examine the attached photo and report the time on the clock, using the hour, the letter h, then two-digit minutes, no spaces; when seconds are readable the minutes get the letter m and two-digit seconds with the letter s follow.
3h25
